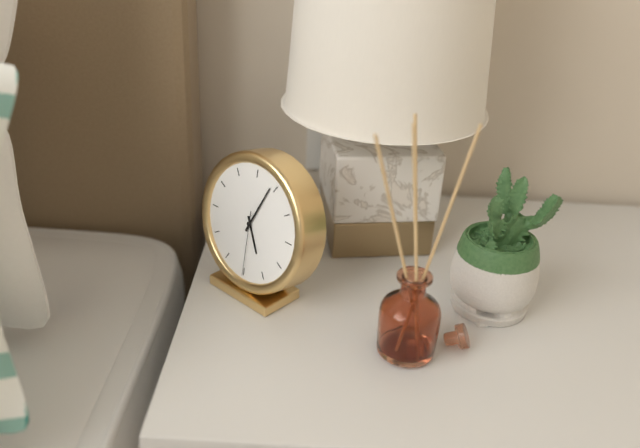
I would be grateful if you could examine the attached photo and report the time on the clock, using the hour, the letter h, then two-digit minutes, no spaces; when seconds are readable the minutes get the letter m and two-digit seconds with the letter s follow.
5h04m30s
